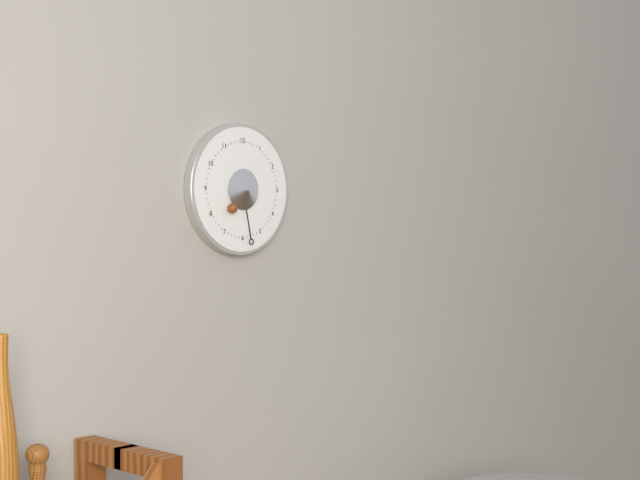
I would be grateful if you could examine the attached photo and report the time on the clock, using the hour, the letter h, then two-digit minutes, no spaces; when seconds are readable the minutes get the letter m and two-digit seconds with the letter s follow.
7h28
